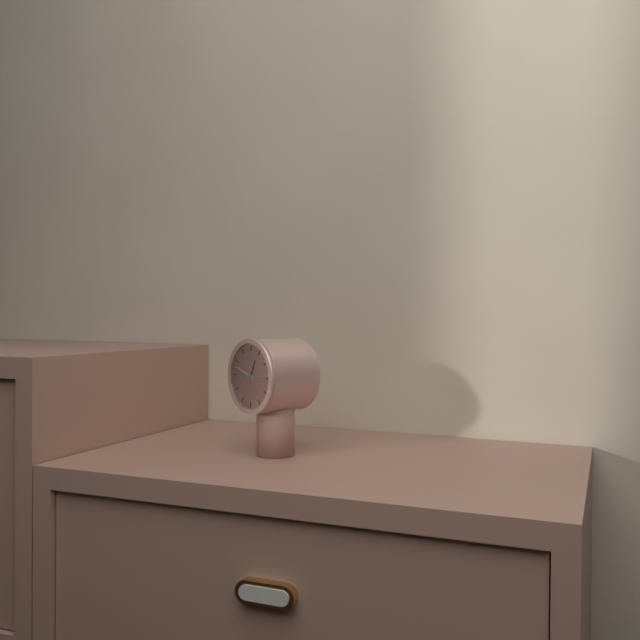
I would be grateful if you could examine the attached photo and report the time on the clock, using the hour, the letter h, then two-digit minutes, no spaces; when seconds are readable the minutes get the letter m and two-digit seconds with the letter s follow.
12h48
